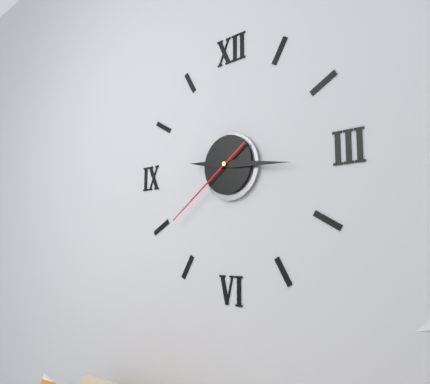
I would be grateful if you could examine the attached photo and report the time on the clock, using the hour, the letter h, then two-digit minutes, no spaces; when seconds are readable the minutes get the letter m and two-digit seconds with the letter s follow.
9h16m39s
